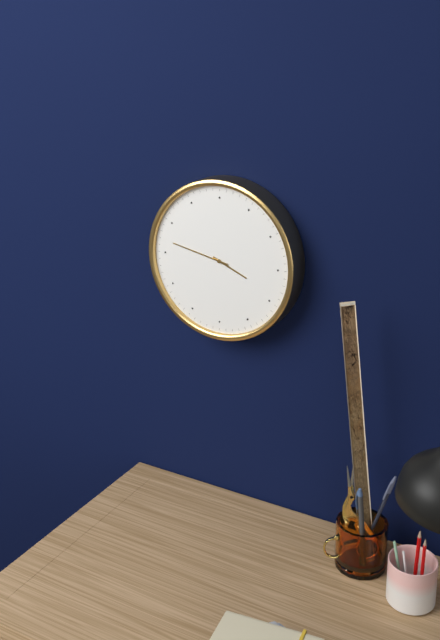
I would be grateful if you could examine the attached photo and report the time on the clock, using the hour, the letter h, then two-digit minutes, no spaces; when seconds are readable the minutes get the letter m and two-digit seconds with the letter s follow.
3h47
